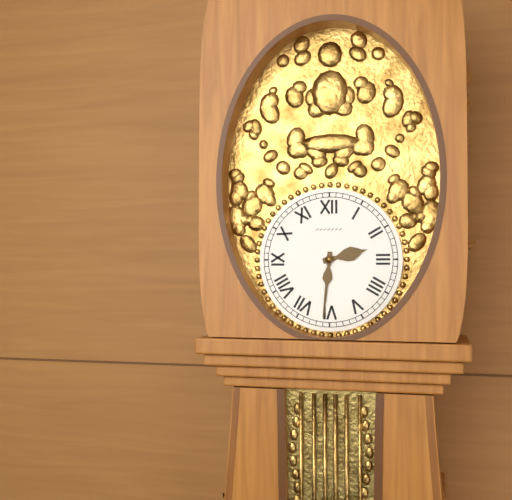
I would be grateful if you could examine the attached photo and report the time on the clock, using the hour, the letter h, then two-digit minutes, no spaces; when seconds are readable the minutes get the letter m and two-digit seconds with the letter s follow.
2h31
